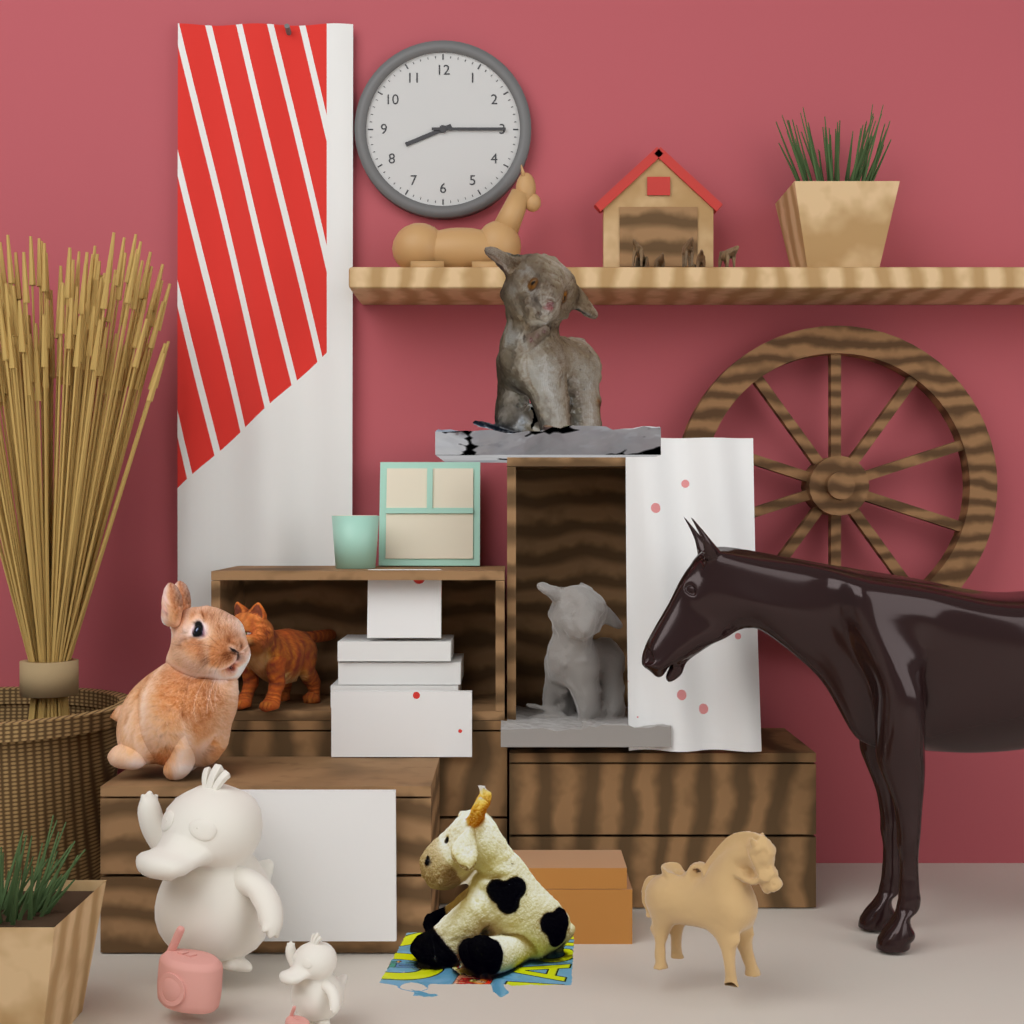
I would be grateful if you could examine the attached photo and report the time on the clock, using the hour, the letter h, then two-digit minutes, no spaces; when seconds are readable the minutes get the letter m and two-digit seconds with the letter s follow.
8h15
